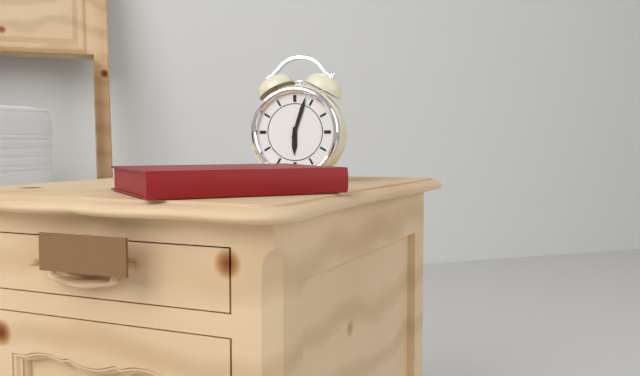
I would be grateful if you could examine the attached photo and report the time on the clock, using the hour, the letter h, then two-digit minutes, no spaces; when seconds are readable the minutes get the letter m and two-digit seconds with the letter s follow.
6h03
